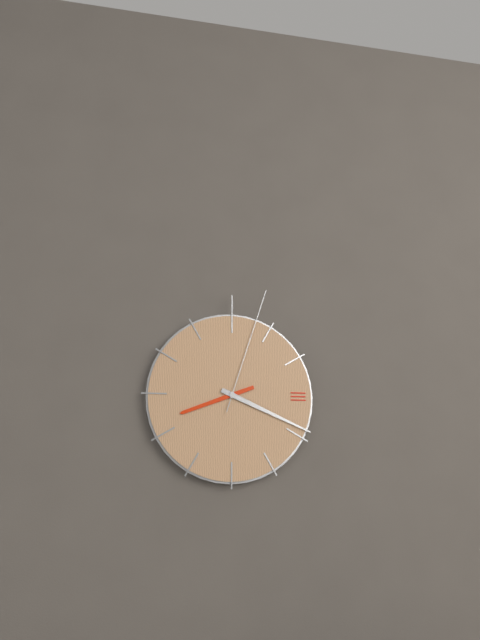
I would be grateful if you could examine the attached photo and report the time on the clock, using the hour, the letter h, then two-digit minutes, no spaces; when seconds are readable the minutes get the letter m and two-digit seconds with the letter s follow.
8h19m03s
